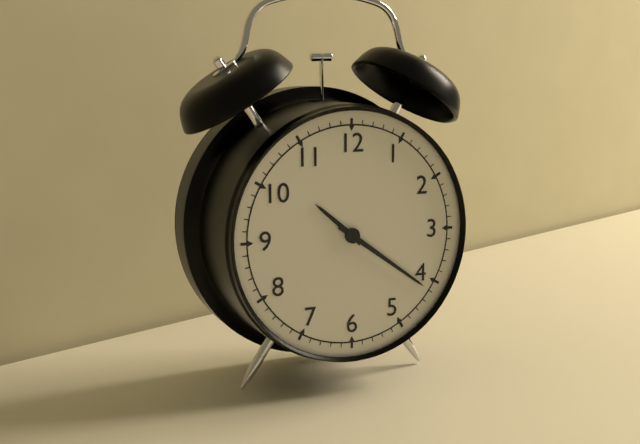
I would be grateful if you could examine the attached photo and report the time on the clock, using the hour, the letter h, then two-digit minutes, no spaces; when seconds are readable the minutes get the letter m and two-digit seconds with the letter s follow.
10h21
